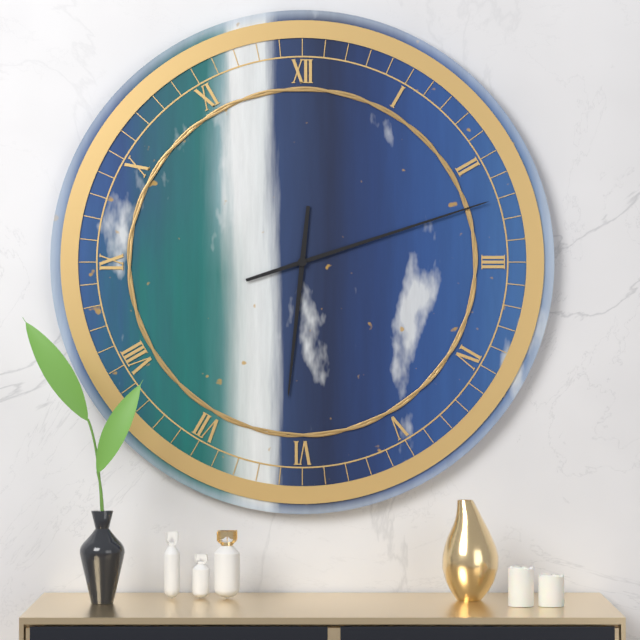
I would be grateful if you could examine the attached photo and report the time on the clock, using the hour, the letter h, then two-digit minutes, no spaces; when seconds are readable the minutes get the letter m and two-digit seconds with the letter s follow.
6h12
